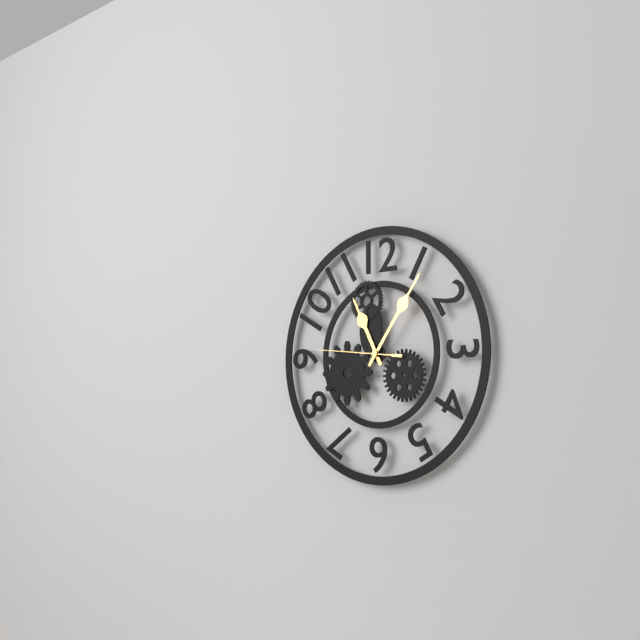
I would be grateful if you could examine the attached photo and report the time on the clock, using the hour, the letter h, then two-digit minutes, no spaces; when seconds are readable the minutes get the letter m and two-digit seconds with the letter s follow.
11h06m46s
